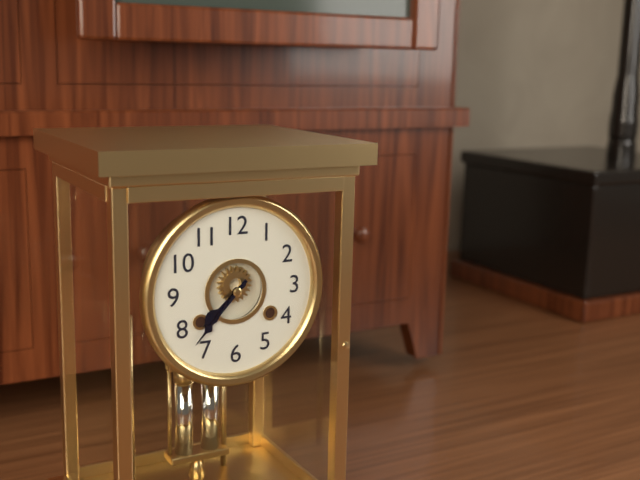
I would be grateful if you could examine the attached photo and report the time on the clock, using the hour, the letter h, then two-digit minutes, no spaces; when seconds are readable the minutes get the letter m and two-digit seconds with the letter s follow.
7h37
